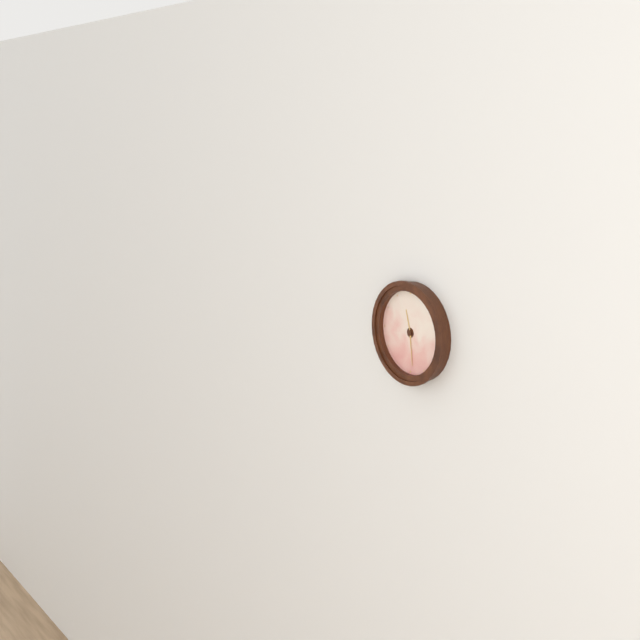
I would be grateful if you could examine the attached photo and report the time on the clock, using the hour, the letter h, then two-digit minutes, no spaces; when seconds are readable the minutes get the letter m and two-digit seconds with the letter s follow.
11h29
